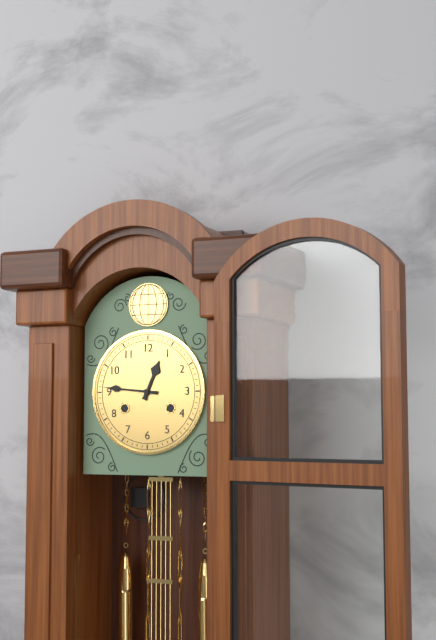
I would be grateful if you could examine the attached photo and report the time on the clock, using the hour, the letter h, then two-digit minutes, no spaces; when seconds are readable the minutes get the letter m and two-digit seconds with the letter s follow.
12h46
